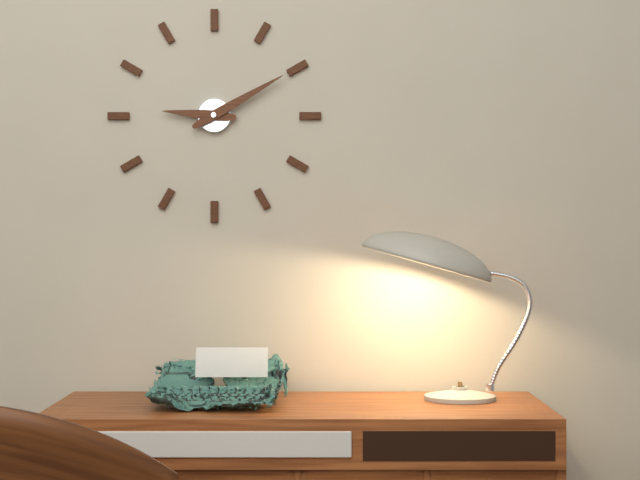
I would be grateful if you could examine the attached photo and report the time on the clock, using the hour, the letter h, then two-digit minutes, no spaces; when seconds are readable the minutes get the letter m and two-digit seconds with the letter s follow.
9h10
